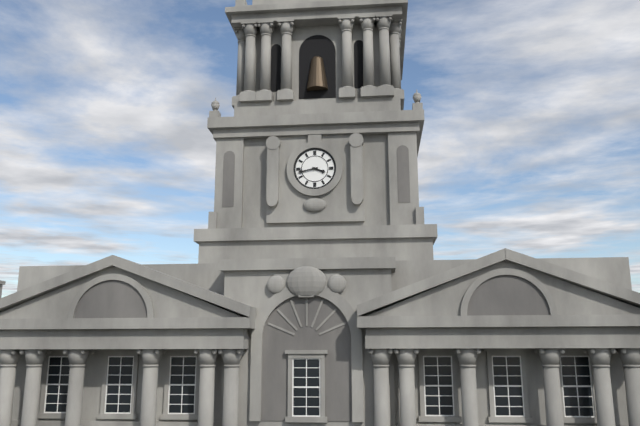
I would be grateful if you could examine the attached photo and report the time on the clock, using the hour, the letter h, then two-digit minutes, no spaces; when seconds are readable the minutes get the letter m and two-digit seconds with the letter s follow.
3h43
